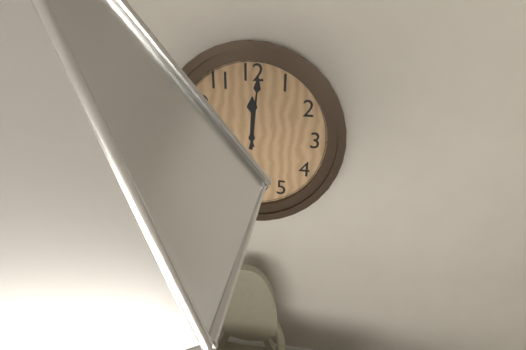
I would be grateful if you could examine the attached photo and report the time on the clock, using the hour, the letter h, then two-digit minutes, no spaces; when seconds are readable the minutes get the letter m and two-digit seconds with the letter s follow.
12h01
